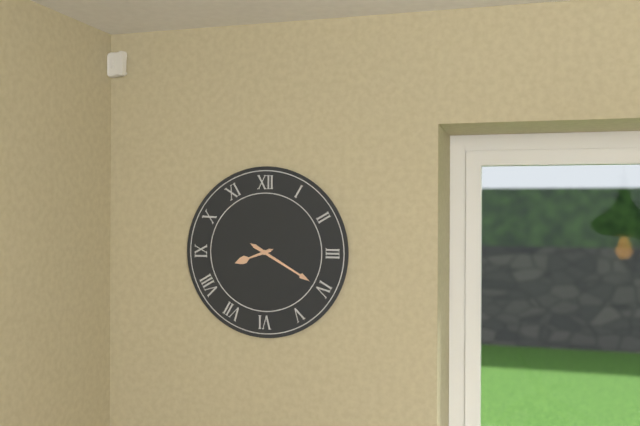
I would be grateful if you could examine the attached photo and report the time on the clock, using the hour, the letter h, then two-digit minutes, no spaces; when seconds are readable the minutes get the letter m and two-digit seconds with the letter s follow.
8h20
